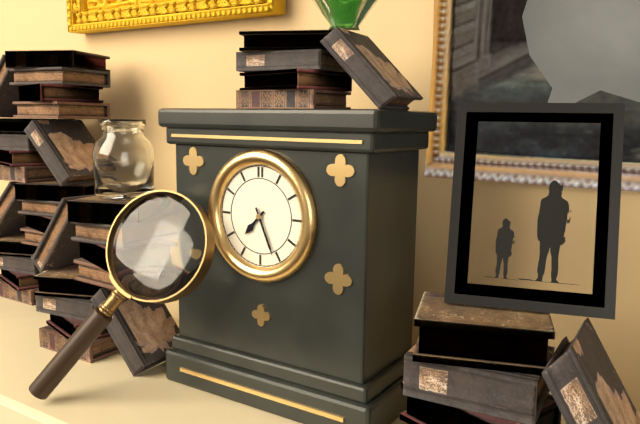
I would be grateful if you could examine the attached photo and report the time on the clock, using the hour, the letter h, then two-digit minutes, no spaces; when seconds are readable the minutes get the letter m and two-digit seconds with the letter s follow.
7h26
